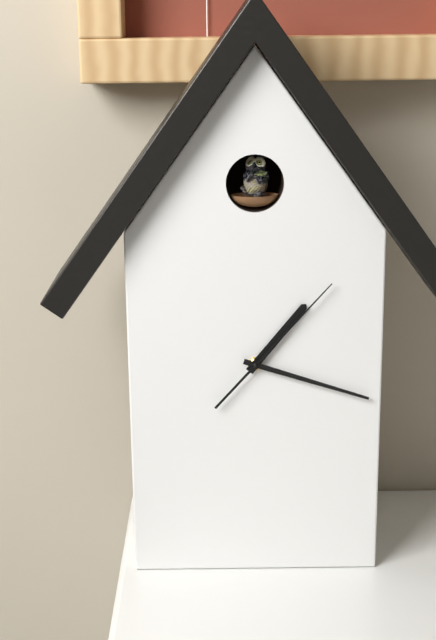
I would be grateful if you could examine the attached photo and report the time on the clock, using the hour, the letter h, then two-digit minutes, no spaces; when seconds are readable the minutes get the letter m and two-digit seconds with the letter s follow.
1h18m07s
